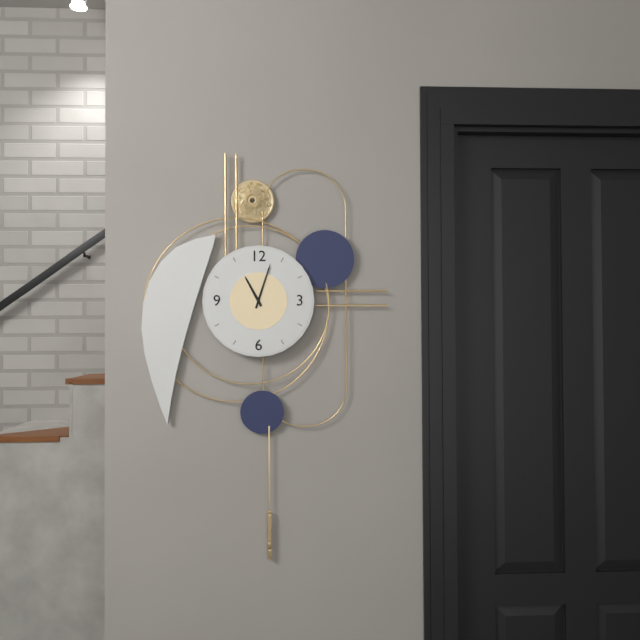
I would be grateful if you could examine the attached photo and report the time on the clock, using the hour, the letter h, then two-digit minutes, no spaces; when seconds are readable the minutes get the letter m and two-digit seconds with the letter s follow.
11h03
